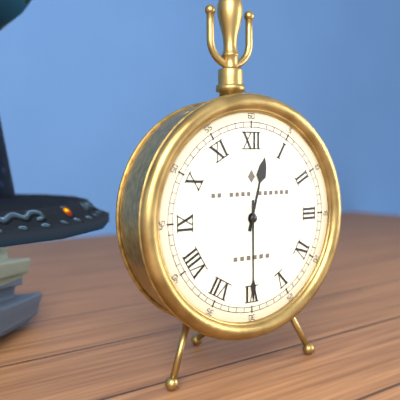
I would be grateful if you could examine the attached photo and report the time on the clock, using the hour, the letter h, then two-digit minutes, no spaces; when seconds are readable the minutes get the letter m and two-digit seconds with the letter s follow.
12h30
